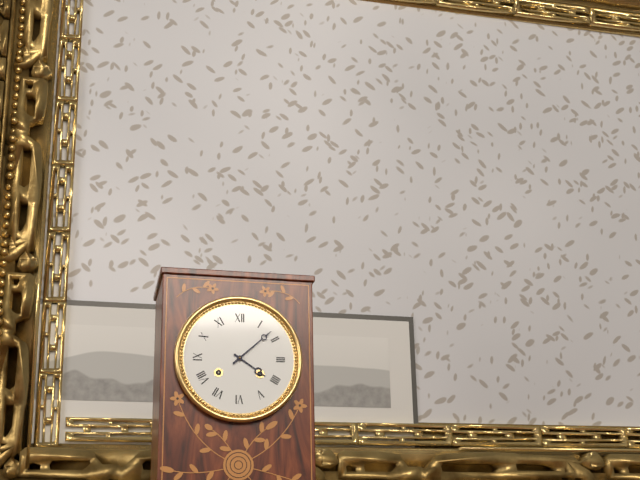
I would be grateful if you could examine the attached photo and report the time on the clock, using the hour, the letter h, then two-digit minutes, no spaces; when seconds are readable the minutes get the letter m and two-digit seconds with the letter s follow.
4h08
